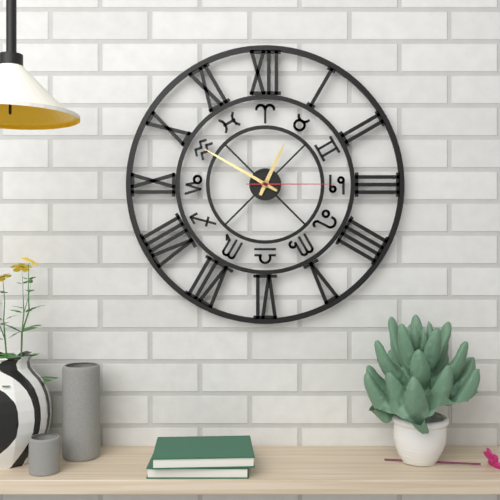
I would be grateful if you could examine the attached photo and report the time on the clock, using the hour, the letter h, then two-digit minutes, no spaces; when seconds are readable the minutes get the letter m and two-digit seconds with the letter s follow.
12h50m15s
